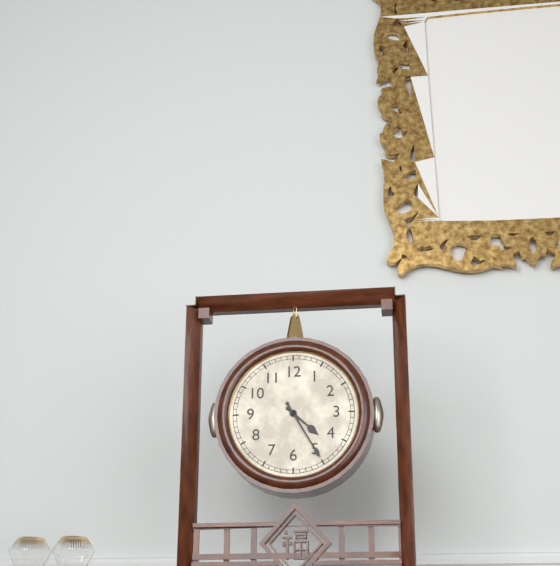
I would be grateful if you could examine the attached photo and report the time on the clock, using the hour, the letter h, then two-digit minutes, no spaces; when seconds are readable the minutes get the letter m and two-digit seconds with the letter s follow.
4h25
